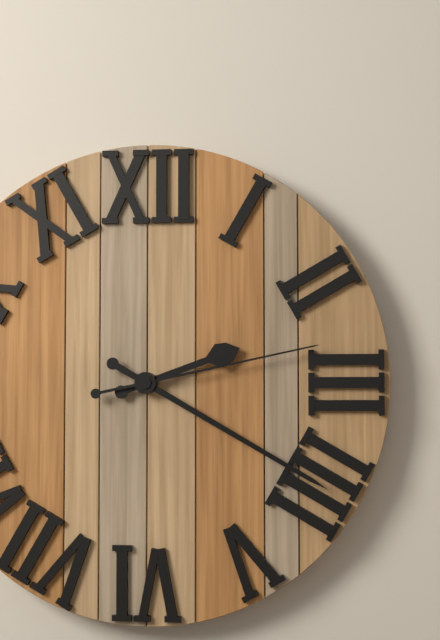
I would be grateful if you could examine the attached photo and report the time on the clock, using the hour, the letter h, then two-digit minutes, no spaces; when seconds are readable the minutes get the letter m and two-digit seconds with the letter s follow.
2h20m13s
